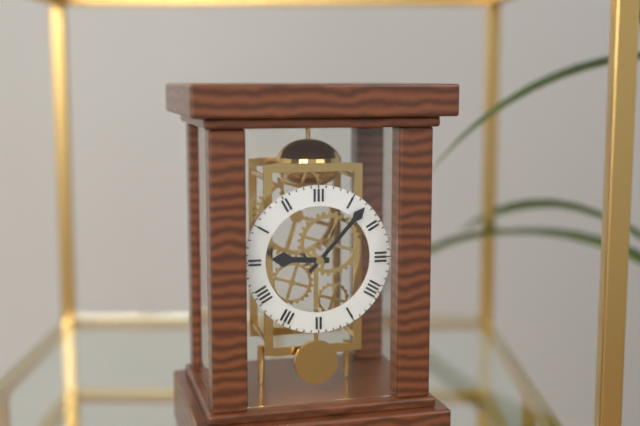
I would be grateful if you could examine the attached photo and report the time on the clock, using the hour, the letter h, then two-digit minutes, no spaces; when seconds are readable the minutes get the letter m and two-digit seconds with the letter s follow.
9h07
